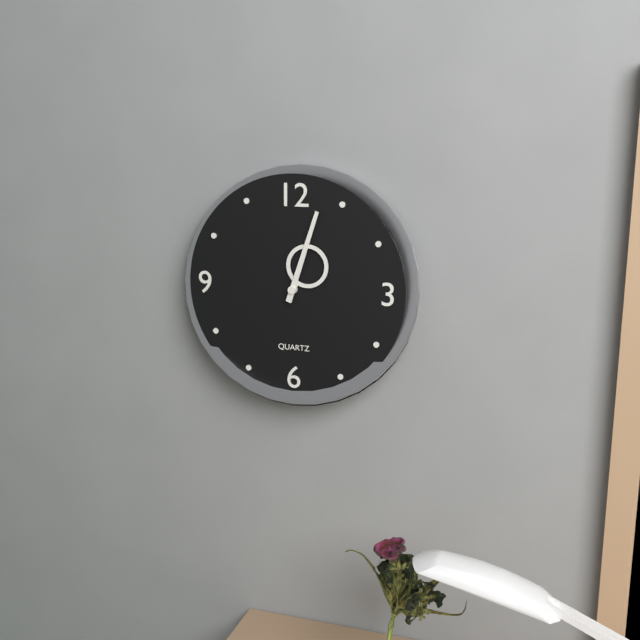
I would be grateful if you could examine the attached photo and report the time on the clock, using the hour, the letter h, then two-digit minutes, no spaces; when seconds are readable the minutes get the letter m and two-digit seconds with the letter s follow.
1h03
